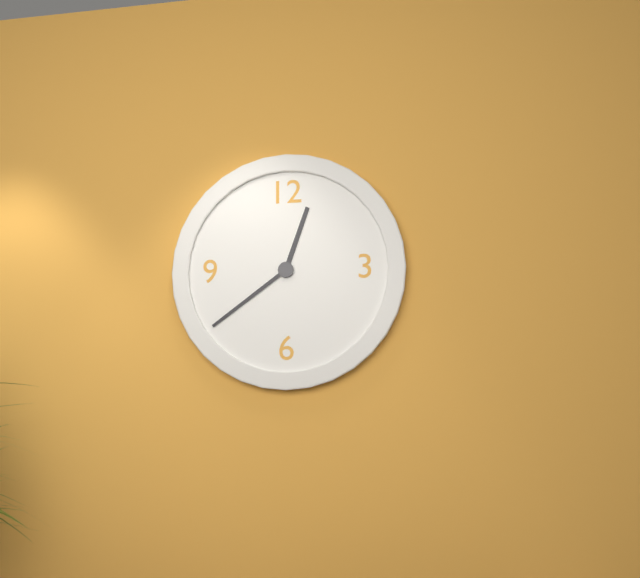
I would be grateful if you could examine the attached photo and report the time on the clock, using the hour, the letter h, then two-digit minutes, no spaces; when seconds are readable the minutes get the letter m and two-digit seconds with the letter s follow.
12h39
